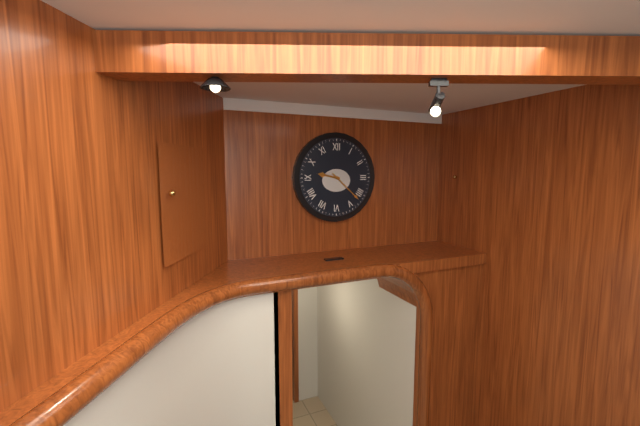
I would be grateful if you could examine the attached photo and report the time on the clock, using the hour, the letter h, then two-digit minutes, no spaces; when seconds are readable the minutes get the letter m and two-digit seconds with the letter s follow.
9h22
